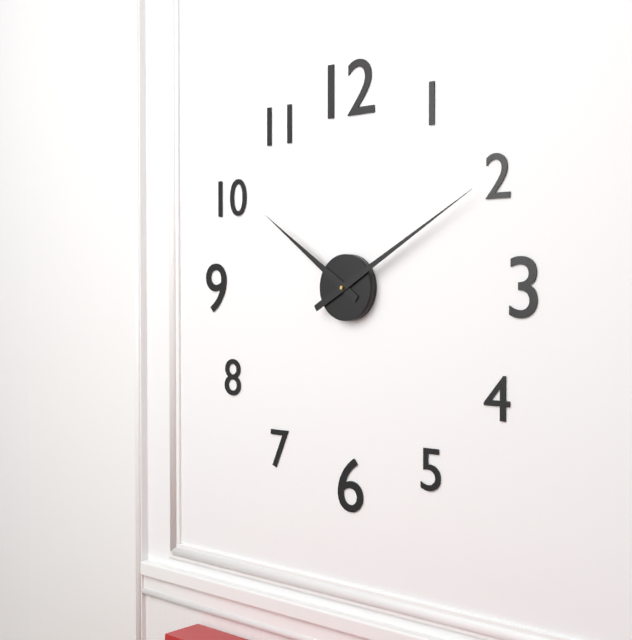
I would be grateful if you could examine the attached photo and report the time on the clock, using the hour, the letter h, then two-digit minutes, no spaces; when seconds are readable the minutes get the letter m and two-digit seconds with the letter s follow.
10h10
